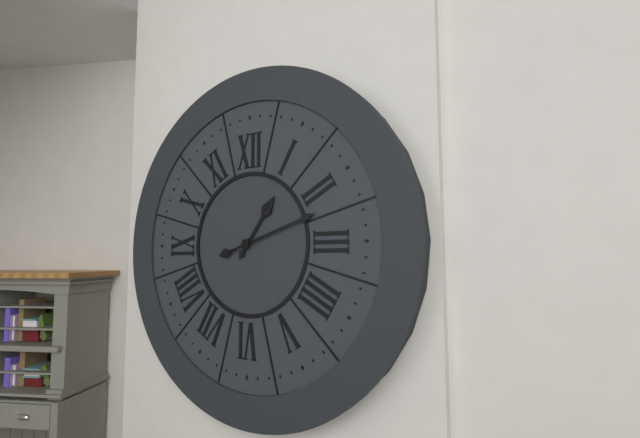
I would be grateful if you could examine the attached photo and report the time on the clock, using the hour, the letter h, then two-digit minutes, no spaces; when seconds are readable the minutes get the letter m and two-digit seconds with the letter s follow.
1h12
